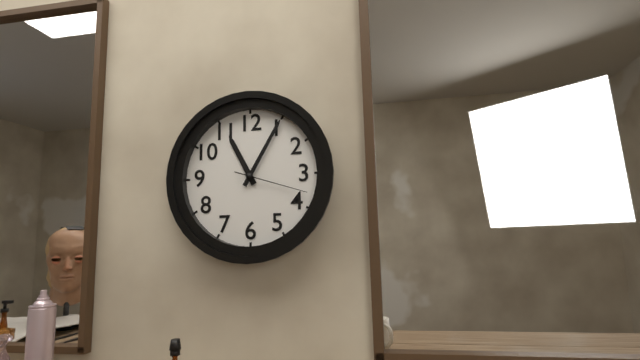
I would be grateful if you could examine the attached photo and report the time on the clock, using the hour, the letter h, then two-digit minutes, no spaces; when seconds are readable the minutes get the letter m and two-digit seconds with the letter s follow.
11h05m18s
